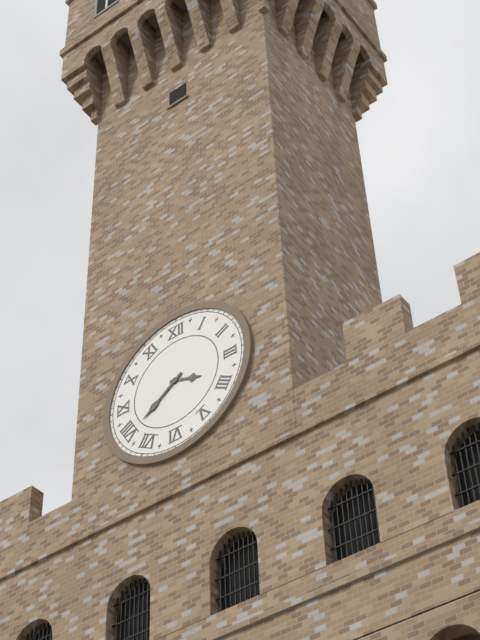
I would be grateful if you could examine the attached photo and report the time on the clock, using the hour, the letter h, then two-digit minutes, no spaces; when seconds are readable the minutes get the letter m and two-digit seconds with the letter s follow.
3h39
